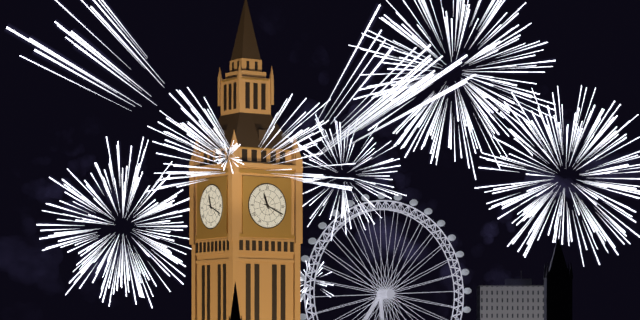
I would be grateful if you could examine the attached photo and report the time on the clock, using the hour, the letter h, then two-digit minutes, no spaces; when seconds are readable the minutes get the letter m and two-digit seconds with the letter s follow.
11h19
